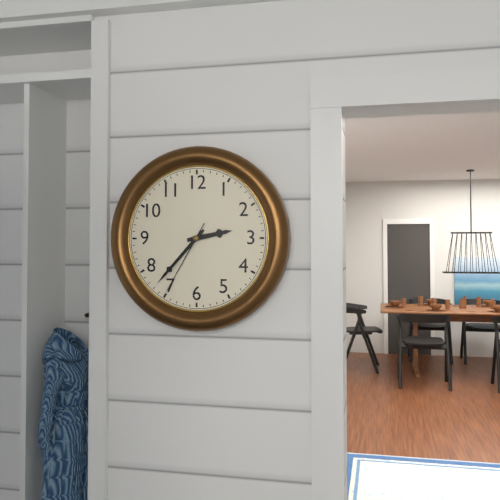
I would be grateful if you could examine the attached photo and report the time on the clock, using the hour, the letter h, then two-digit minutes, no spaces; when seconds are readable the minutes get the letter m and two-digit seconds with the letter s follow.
2h37m35s
